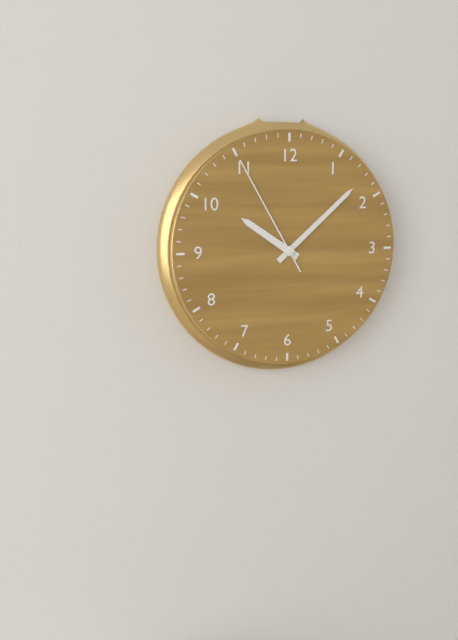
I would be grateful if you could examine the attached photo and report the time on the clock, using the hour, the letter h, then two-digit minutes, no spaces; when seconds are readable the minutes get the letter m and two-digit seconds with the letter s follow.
10h08m55s
